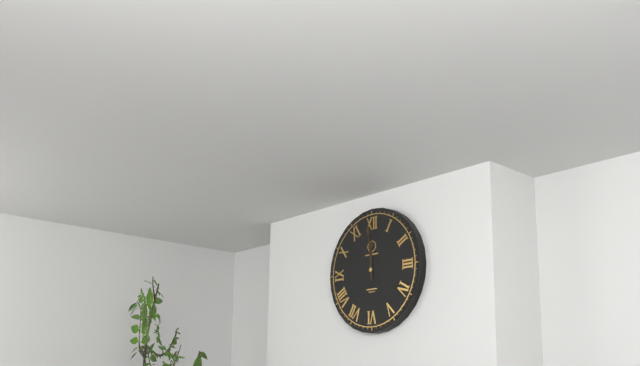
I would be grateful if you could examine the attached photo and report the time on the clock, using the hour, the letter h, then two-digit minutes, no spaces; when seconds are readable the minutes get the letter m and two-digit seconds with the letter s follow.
11h59
